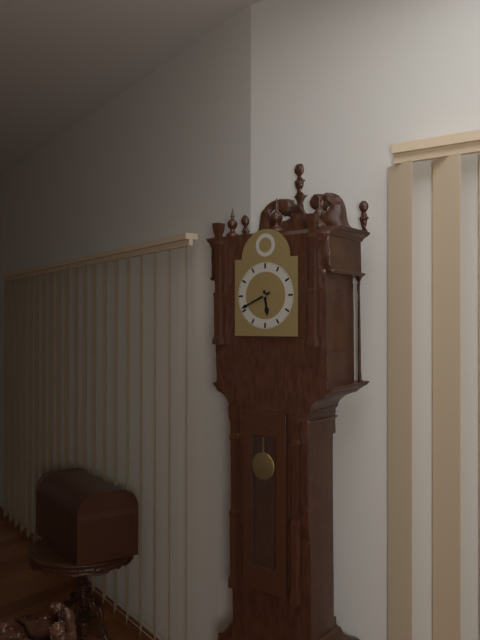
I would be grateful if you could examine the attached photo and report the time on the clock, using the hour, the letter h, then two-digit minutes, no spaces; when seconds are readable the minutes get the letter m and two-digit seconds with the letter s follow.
5h41
